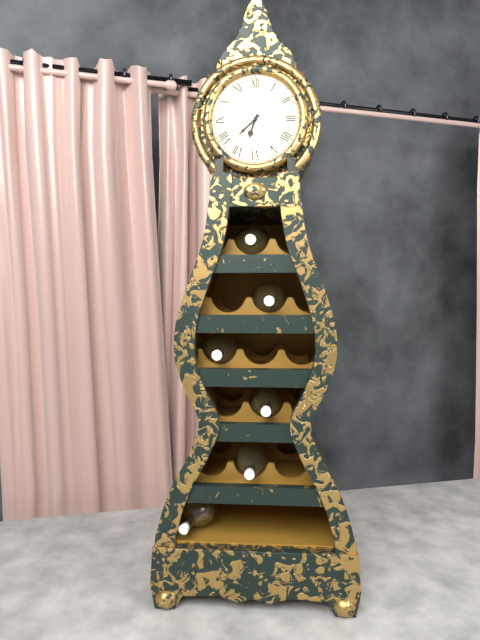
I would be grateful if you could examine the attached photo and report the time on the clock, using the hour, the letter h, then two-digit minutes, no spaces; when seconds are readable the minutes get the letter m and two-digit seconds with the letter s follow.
6h38
